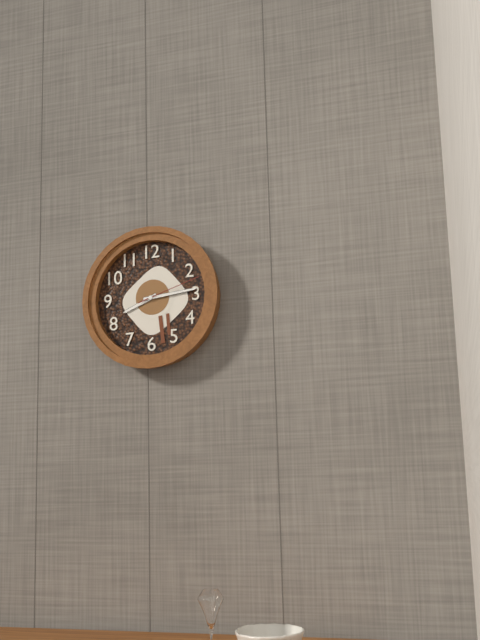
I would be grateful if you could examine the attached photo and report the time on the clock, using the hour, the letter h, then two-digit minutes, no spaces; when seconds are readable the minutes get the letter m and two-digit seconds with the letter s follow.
8h14m12s
